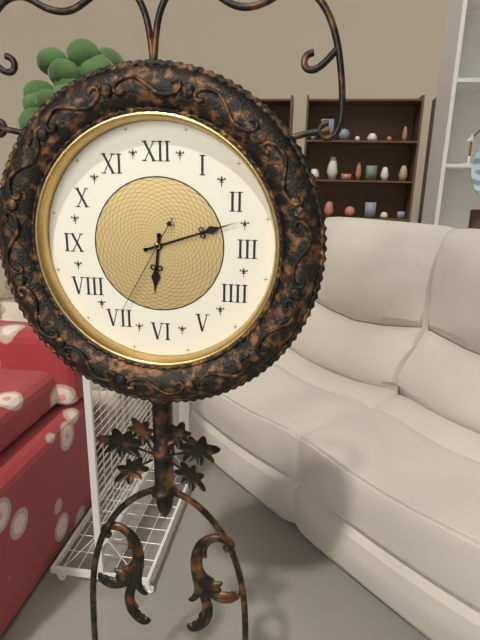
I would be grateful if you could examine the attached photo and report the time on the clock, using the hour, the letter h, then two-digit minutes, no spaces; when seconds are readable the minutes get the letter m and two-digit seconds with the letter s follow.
6h12m35s
